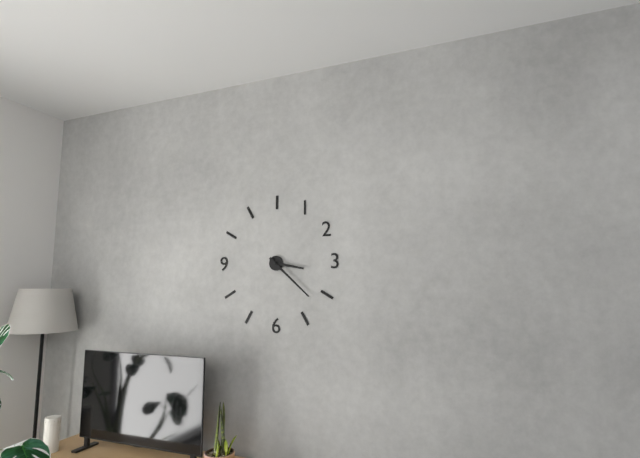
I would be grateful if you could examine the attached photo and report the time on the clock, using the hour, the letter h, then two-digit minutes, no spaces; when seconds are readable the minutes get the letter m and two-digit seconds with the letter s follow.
3h22
